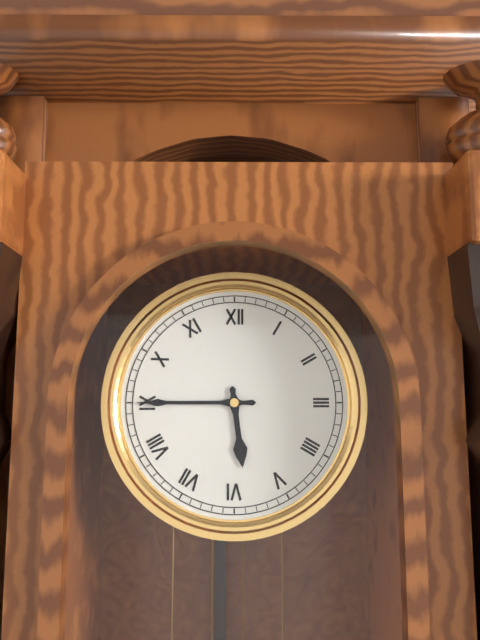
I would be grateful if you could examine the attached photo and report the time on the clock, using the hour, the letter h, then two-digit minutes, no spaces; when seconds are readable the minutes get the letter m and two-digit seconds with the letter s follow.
5h45
